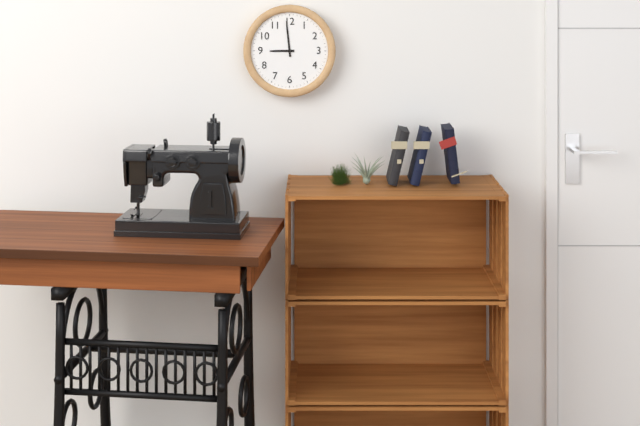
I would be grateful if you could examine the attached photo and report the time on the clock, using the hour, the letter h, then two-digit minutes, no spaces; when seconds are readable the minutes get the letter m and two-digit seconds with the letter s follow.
8h59
